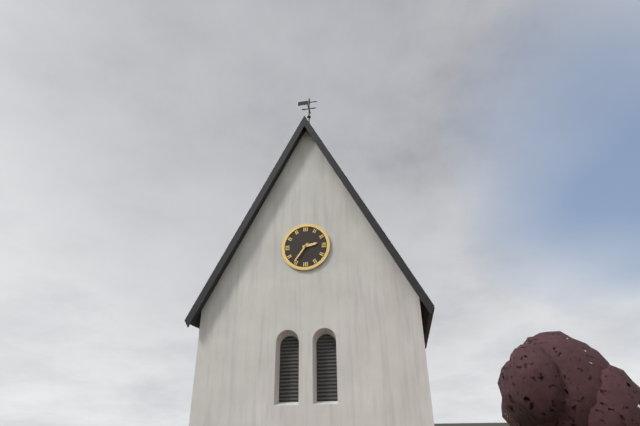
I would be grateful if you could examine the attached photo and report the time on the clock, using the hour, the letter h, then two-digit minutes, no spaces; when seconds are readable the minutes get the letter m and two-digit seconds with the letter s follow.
2h36
